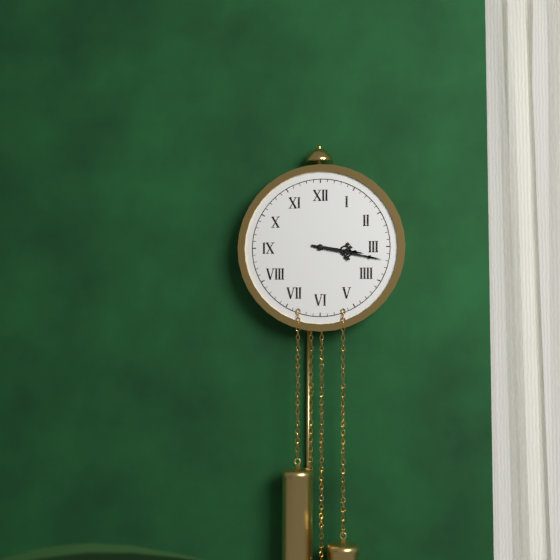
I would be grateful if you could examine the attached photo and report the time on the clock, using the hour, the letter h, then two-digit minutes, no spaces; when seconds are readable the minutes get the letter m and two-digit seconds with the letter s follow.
3h17
